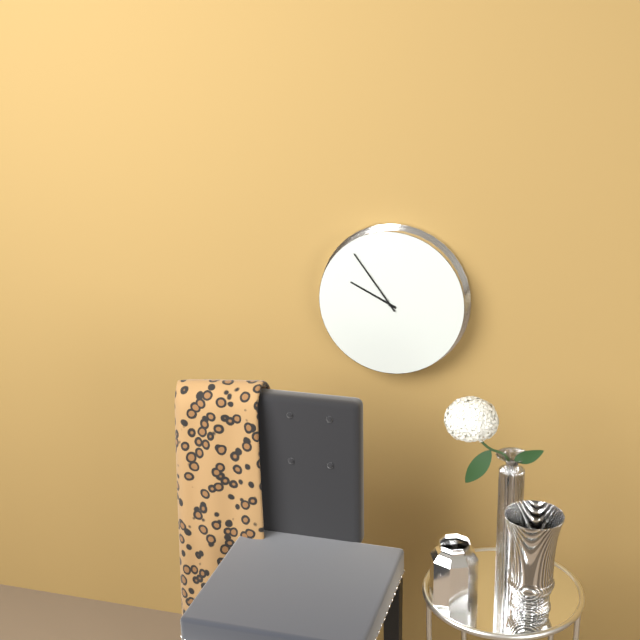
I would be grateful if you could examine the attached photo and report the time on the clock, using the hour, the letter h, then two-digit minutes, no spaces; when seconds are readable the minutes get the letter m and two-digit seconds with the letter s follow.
9h54
